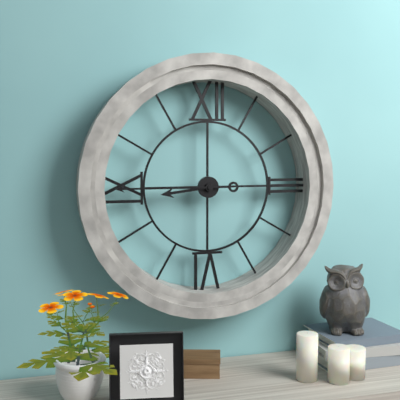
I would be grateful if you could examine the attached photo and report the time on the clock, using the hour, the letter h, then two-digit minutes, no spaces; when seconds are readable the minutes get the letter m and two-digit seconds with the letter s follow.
8h45
